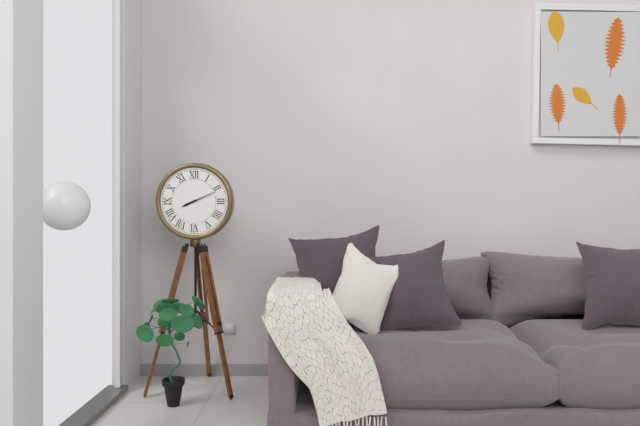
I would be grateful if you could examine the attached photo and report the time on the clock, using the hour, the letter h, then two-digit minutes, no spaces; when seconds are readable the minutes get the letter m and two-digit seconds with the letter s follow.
8h11
